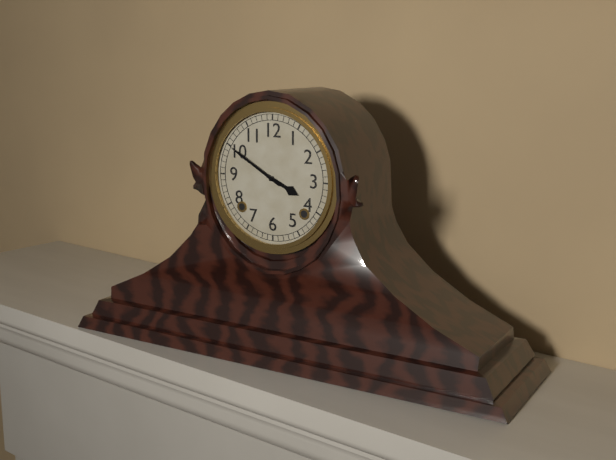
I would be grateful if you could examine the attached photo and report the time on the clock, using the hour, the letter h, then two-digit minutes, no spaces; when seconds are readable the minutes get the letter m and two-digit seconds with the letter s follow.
3h50
